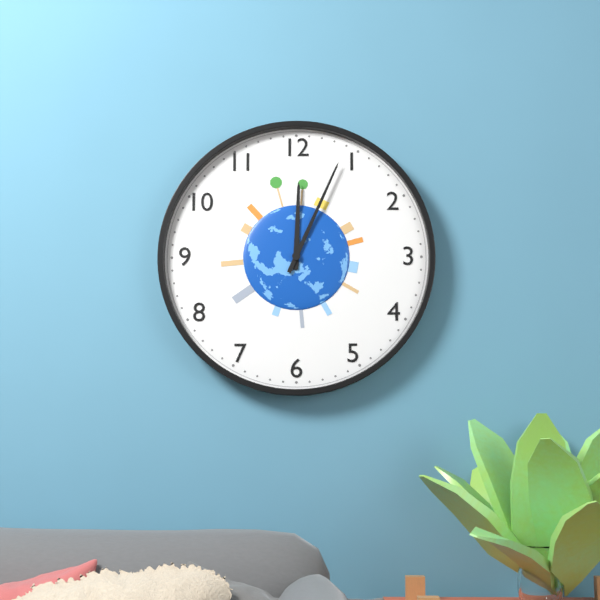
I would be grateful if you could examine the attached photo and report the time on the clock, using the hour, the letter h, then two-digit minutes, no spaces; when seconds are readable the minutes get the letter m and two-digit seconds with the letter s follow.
12h04
